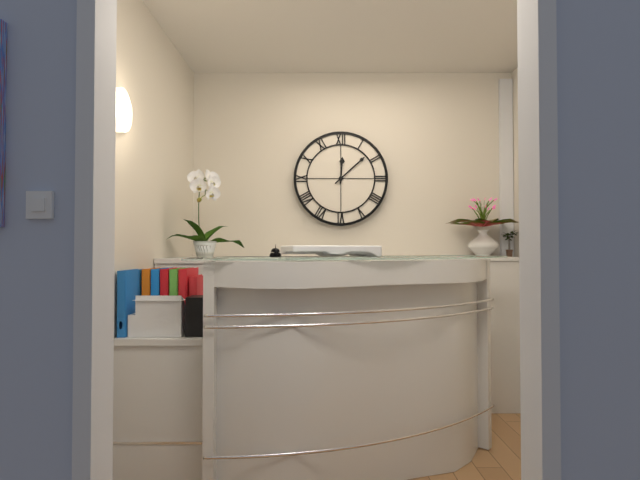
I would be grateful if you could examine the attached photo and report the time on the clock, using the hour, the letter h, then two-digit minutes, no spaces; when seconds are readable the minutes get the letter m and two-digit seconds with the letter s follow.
12h08
